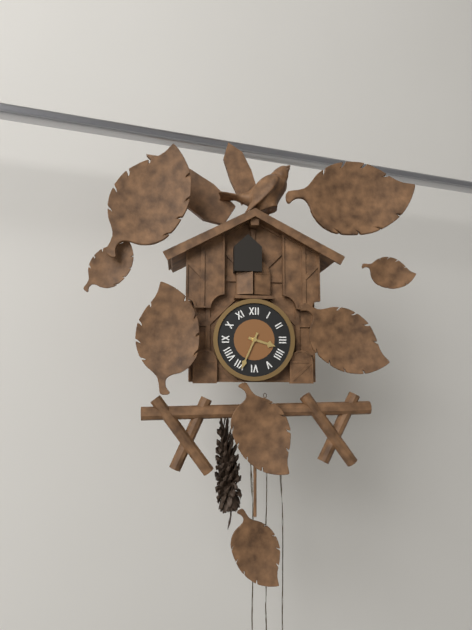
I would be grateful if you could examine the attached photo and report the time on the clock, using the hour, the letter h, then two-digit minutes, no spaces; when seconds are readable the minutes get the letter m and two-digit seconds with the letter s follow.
3h34
